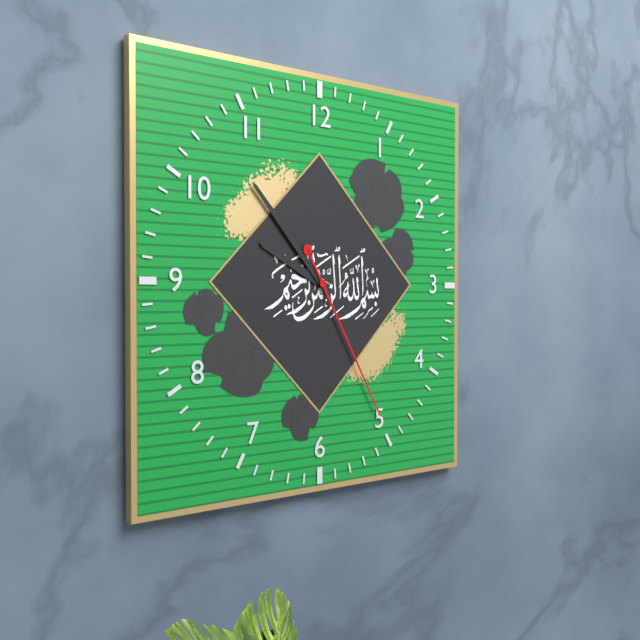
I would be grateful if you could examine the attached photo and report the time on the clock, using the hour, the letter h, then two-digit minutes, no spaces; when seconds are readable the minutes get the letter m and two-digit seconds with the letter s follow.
9h53m25s
